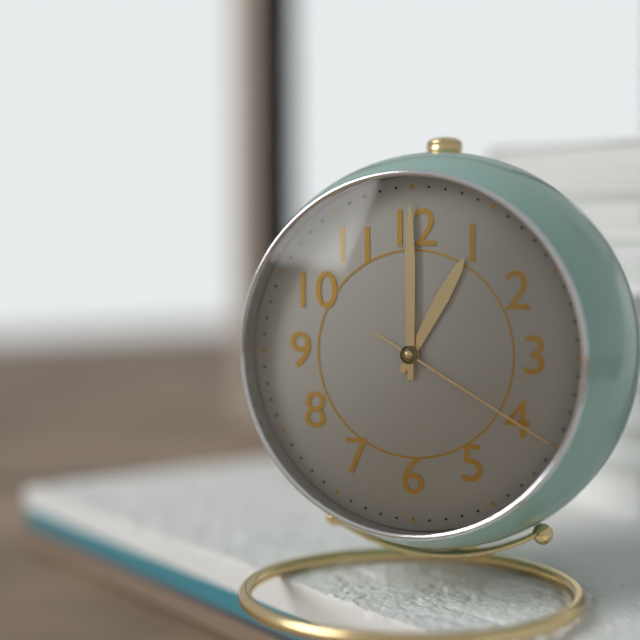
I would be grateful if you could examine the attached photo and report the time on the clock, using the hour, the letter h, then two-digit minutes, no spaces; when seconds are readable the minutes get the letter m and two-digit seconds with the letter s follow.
1h00m20s
